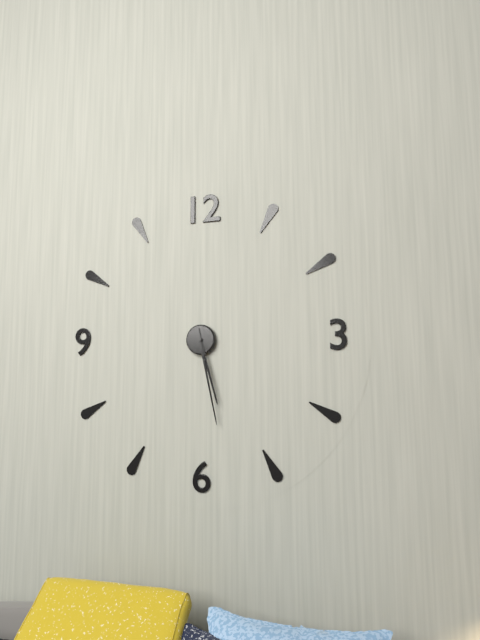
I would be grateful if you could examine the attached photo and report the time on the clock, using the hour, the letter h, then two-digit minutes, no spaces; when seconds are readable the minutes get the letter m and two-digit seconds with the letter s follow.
5h28
